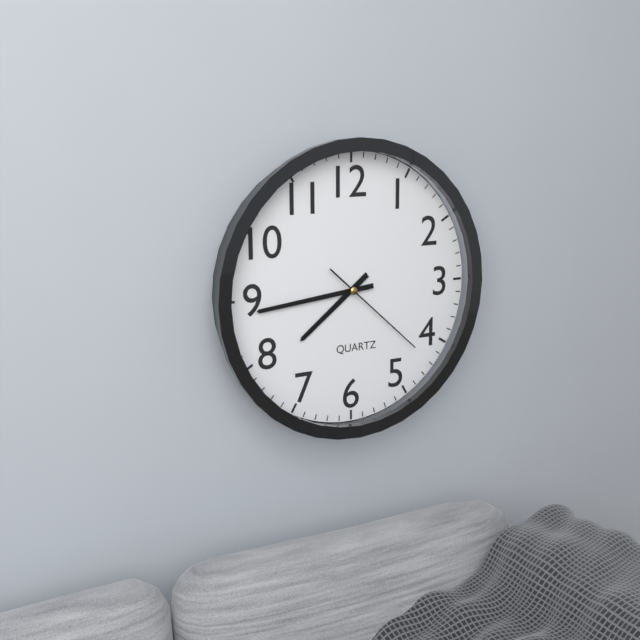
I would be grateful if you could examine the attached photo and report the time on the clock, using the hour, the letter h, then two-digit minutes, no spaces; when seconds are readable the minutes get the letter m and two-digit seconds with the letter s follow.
7h44m22s
